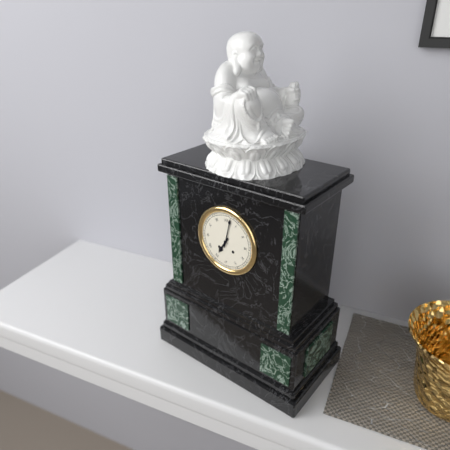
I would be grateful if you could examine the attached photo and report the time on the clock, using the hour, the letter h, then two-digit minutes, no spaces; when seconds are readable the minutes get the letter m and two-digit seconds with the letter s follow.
7h02
